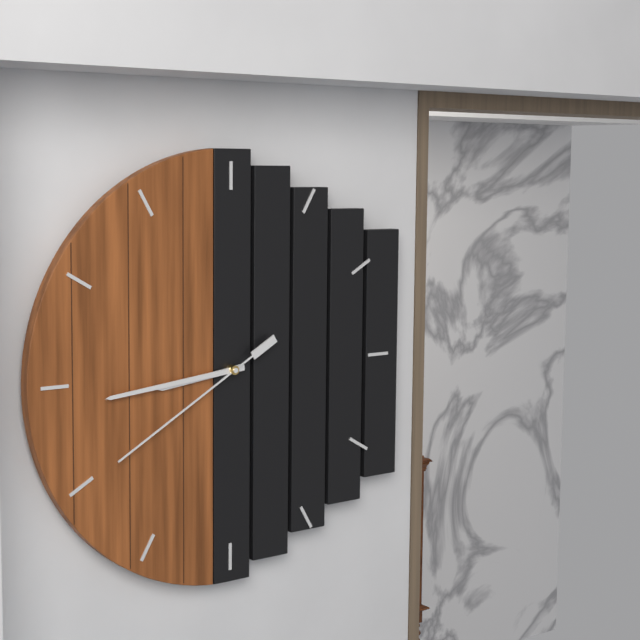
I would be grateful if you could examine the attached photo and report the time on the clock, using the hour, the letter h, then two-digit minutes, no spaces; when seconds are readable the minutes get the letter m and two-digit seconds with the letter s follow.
8h44m40s
